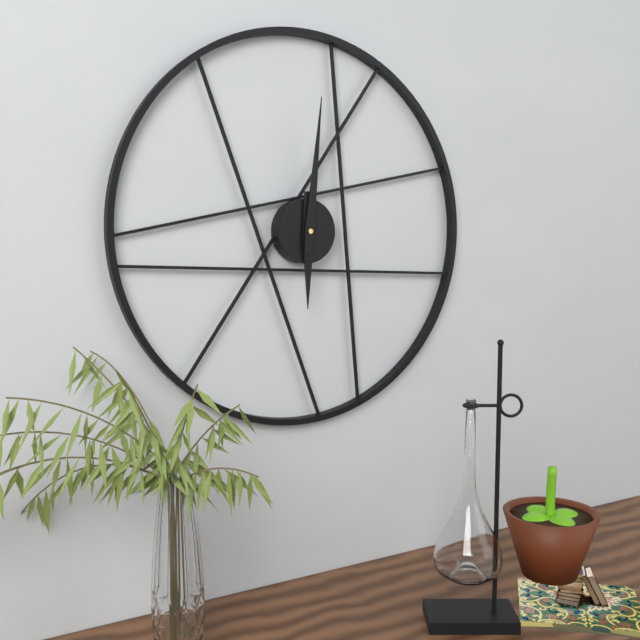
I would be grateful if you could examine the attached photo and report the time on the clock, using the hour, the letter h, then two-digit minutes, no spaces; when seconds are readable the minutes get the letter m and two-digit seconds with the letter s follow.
6h01
